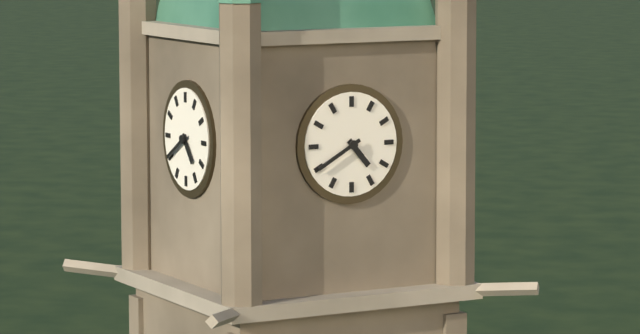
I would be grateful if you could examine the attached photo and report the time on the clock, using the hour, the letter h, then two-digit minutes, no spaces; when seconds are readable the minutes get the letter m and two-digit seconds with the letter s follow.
4h40
